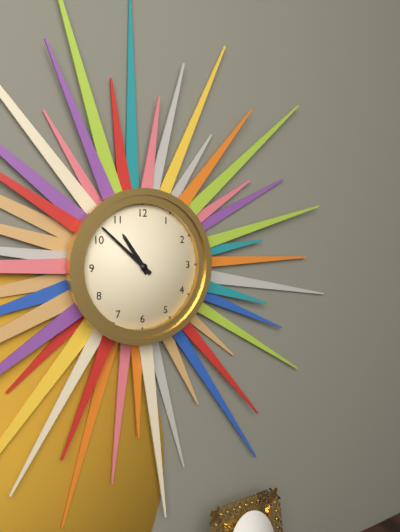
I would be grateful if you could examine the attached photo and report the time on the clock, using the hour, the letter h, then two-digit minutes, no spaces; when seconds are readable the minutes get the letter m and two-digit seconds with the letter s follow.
10h52
